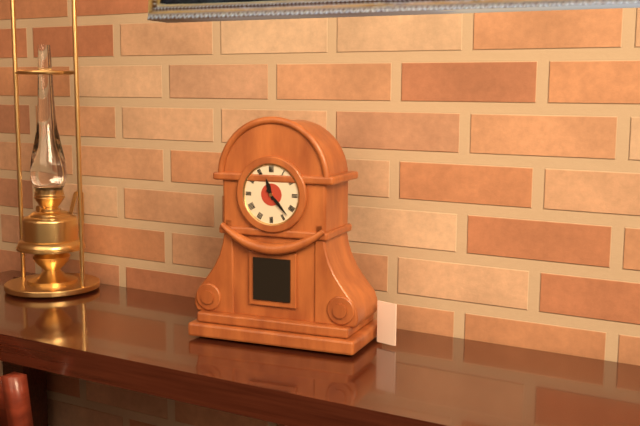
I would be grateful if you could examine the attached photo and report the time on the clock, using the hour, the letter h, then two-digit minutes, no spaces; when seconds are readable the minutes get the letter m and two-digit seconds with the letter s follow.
11h23
